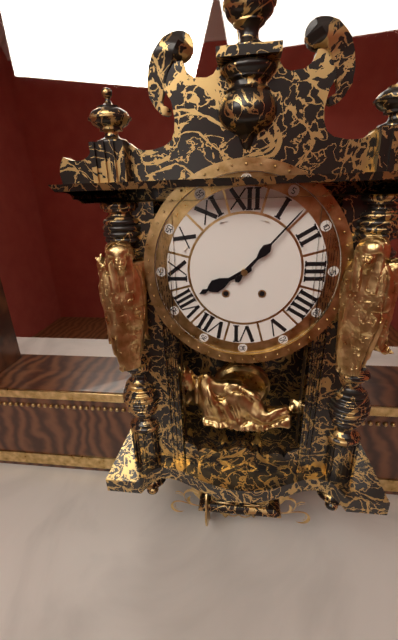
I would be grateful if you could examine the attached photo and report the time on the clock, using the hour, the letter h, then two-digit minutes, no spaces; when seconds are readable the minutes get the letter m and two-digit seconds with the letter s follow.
8h07
